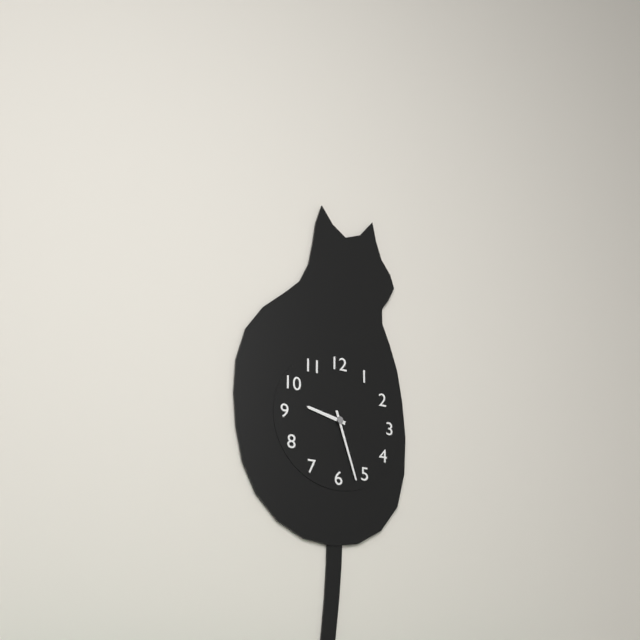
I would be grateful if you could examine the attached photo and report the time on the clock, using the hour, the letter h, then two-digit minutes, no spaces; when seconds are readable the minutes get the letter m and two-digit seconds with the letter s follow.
9h27
